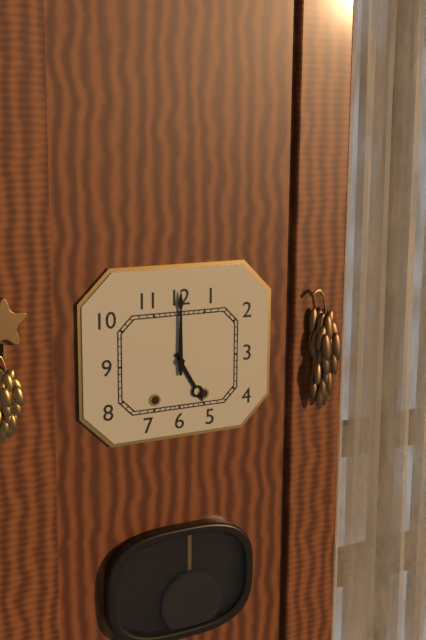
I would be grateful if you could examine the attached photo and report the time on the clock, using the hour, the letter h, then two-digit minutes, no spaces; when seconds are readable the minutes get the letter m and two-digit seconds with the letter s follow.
5h00
